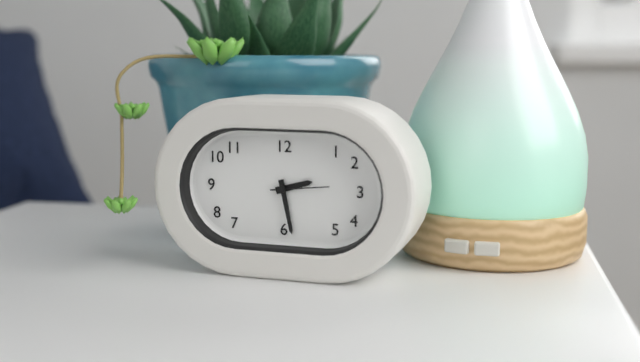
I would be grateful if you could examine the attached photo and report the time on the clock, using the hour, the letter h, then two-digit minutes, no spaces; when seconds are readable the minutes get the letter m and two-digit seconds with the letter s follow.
2h28
